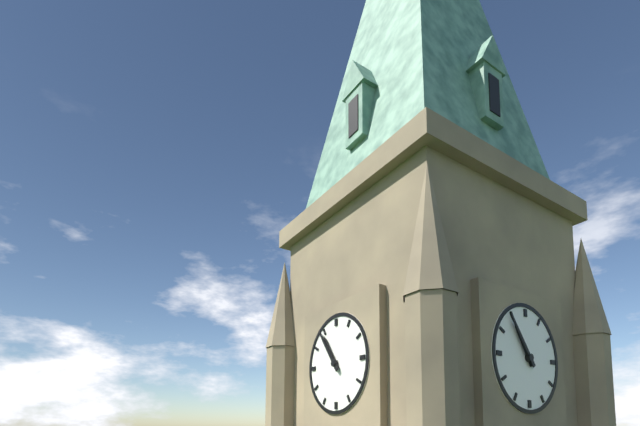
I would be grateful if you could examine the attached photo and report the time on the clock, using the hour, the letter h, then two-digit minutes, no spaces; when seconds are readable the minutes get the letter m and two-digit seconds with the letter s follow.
10h54
